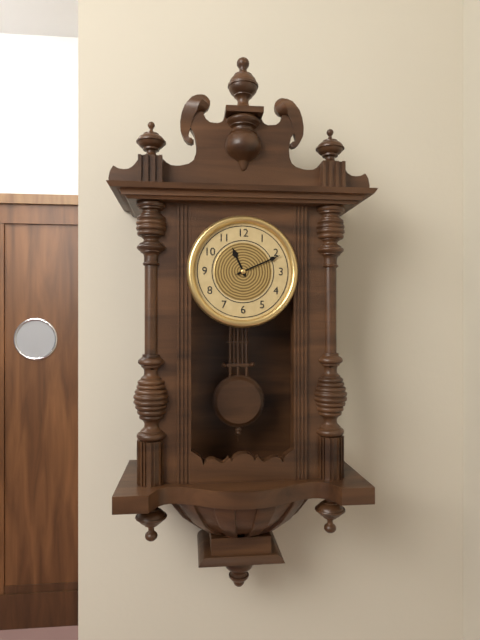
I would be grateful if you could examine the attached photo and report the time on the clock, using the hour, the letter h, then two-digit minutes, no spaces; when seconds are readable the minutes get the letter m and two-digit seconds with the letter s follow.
11h11
